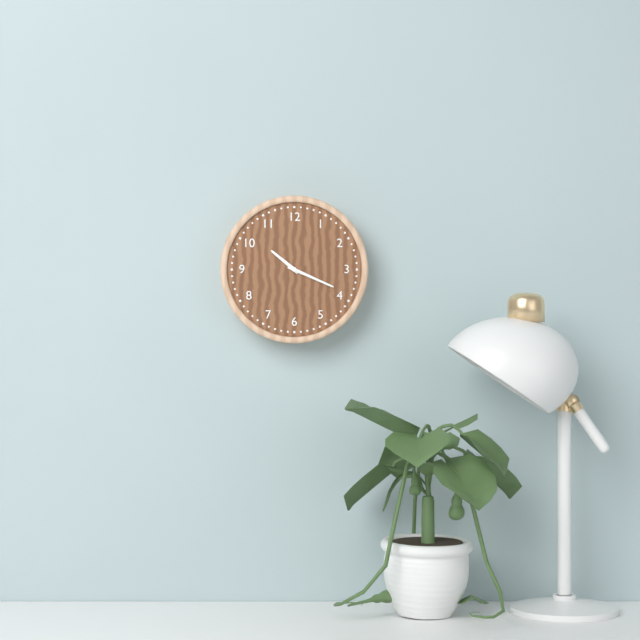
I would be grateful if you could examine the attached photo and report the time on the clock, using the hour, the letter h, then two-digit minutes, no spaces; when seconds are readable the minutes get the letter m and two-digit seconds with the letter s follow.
10h19
